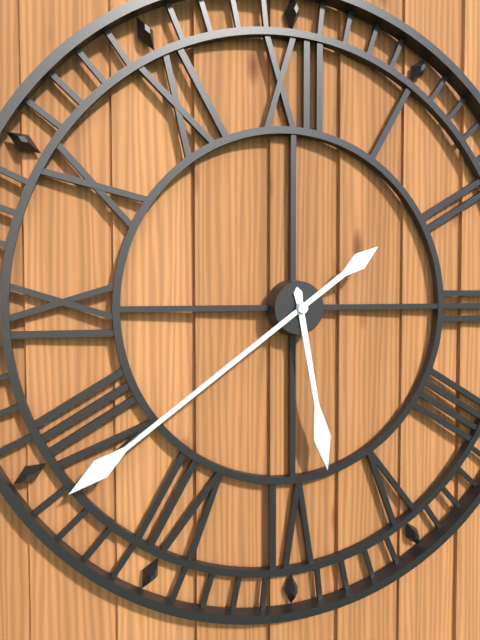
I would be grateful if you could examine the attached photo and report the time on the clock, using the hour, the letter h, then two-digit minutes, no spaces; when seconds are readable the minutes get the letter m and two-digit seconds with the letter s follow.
5h39
